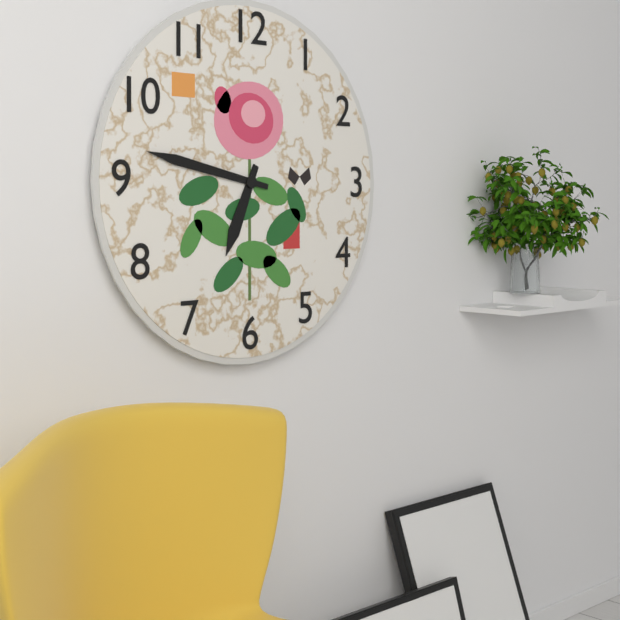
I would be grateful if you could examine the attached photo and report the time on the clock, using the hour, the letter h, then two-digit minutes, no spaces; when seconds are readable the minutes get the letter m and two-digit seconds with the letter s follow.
6h47
